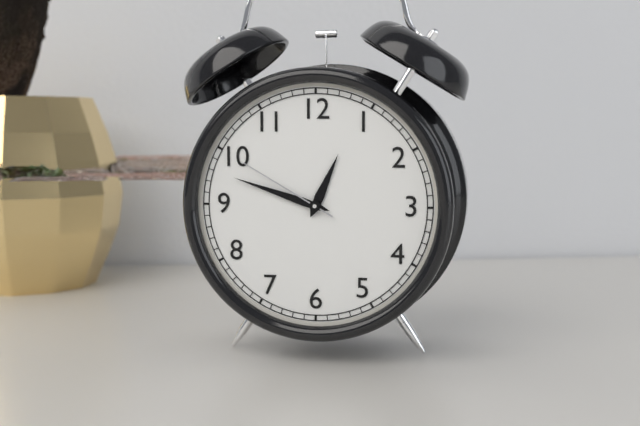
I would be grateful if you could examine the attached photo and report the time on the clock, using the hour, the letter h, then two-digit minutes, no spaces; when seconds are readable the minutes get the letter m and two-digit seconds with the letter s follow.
12h48m50s
